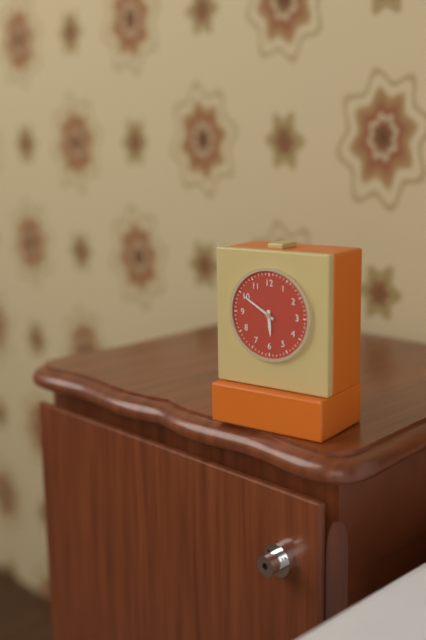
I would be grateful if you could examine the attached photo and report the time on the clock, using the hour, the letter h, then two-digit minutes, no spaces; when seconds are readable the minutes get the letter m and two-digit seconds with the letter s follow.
5h50
